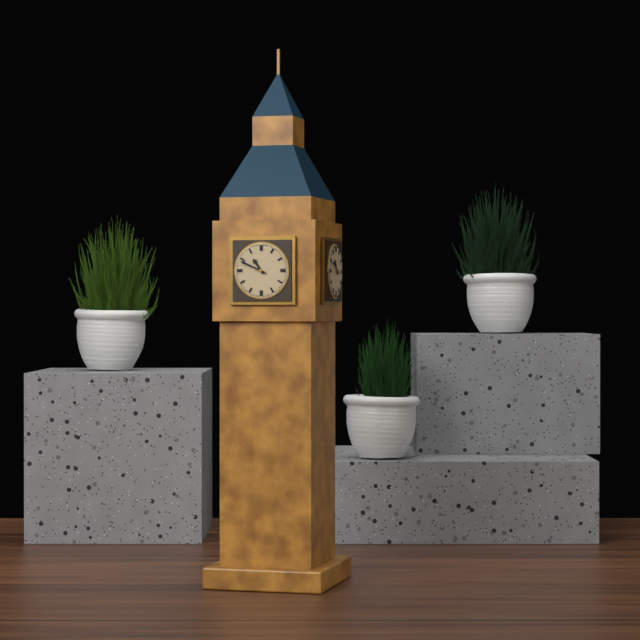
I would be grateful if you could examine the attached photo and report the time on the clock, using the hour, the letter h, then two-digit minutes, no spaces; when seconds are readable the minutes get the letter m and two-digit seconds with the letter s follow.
10h49
